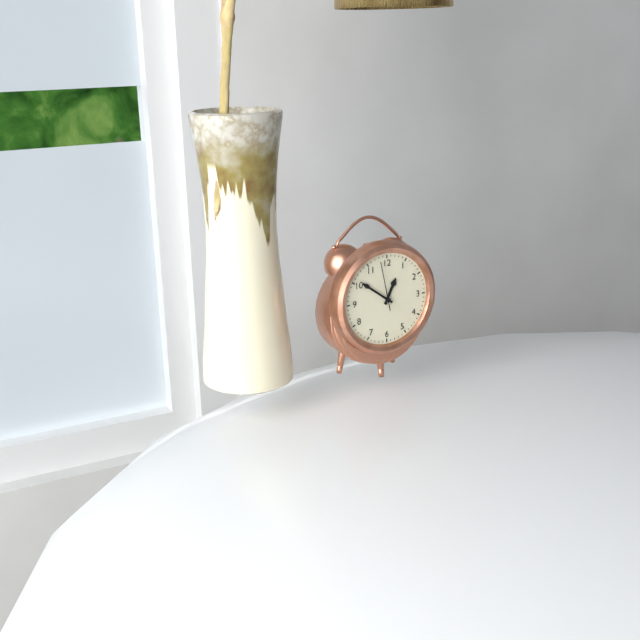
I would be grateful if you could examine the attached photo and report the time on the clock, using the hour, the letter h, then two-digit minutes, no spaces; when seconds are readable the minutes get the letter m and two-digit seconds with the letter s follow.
12h51
